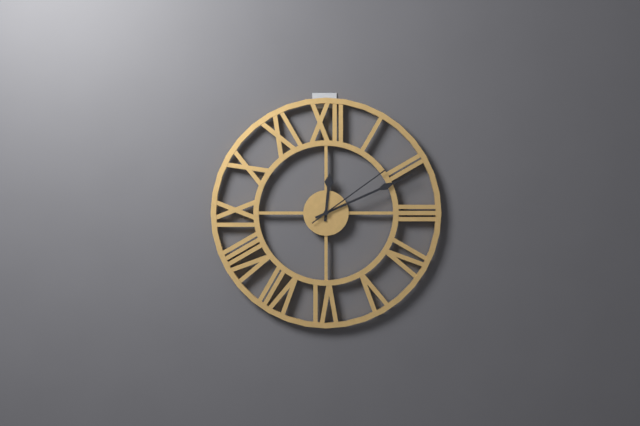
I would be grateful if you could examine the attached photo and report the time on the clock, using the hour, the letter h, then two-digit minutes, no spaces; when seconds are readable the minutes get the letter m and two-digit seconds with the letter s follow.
12h11m09s
